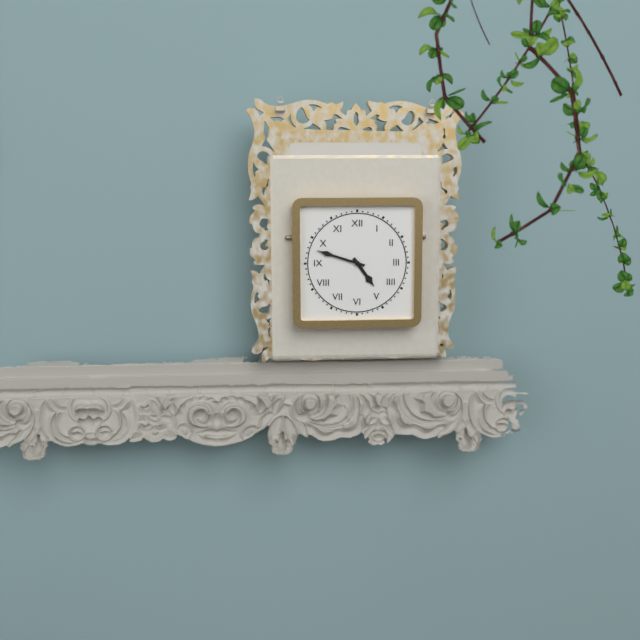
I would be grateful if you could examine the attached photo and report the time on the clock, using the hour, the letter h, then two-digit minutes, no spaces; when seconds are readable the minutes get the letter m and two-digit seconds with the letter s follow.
4h48
